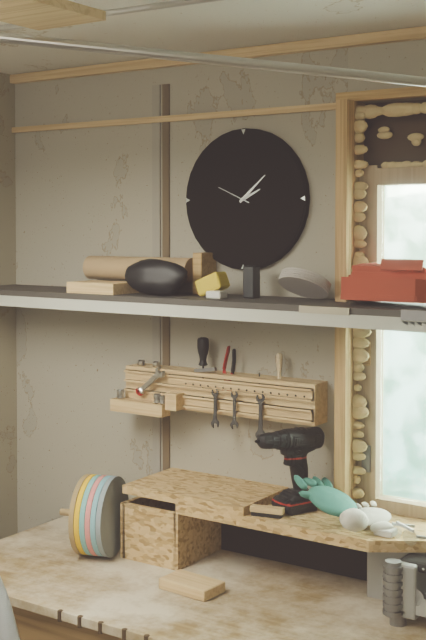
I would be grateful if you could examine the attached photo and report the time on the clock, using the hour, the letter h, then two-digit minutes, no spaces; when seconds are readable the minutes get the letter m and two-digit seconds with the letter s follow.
2h08
